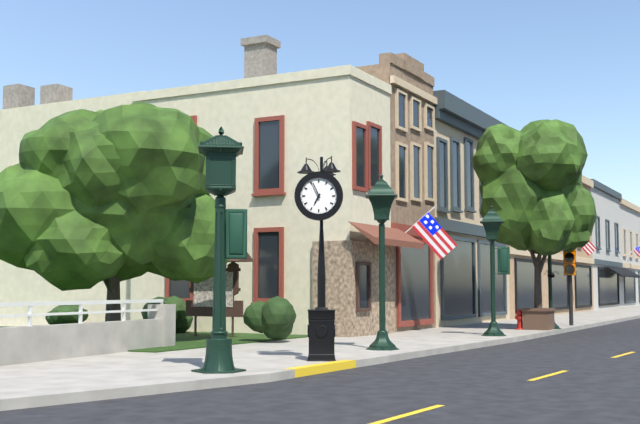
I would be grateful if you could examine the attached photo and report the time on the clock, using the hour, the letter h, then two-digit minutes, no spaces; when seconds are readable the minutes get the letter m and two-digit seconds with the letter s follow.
6h56
